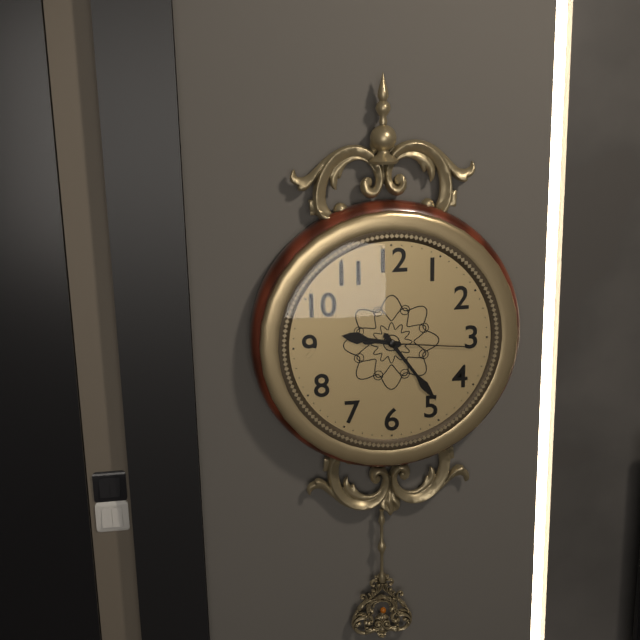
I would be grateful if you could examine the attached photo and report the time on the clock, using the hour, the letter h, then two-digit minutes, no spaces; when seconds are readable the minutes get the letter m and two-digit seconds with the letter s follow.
9h24m16s
